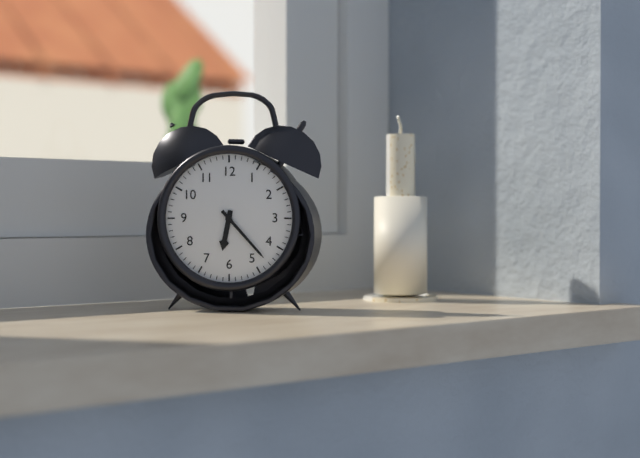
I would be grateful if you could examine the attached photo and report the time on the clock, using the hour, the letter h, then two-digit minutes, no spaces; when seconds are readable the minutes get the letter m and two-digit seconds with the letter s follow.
6h23
